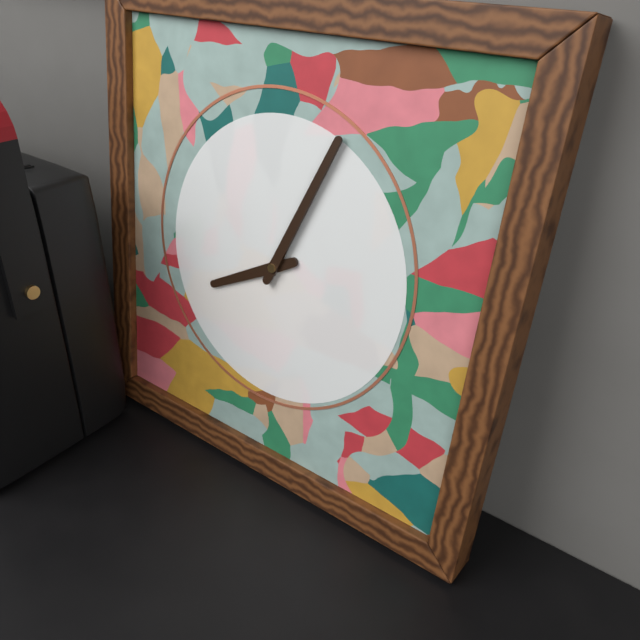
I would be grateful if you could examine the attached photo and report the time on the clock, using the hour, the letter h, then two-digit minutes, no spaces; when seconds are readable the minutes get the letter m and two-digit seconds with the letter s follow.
8h04
